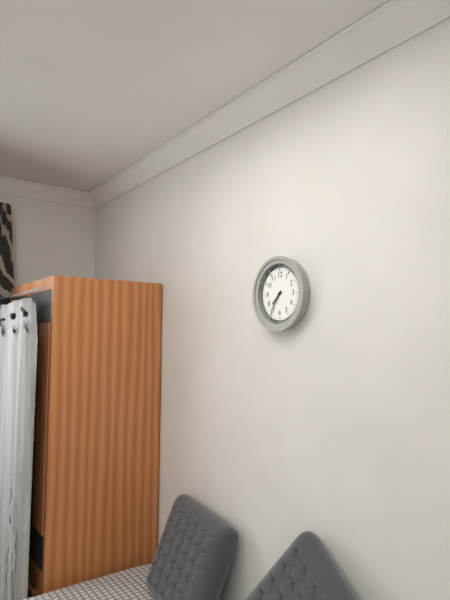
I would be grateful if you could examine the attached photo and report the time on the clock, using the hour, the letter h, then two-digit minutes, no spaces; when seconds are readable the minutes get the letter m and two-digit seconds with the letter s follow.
7h36
